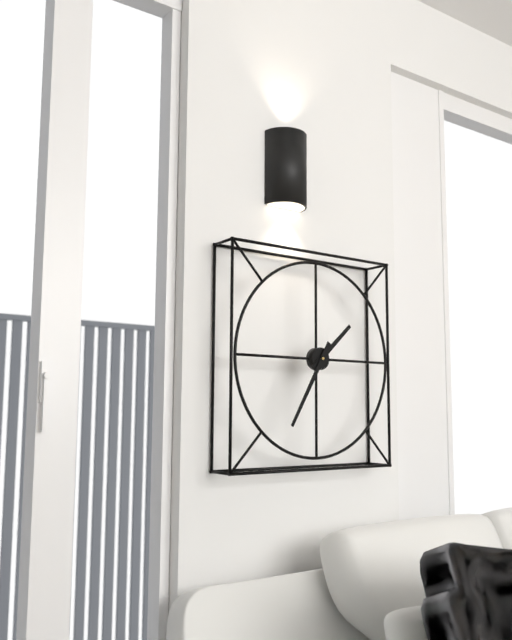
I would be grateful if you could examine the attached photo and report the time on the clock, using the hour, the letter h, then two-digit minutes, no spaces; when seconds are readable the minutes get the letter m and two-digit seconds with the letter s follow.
1h35
